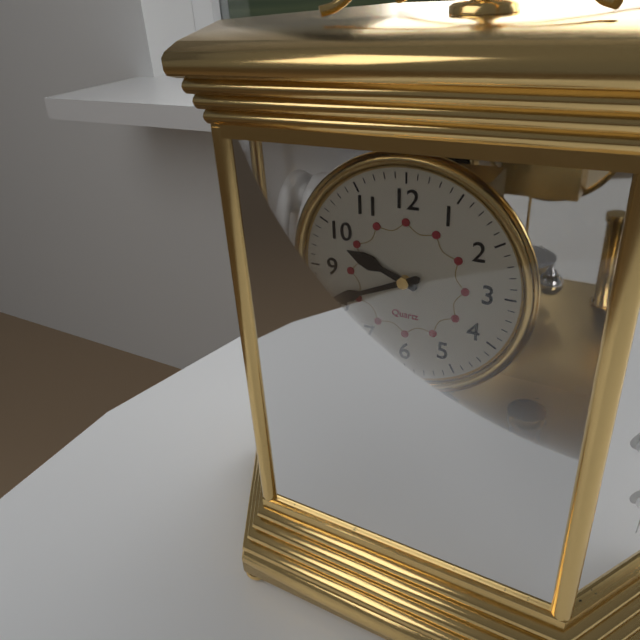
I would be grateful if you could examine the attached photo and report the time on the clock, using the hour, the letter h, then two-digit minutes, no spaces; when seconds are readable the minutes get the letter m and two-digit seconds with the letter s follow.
9h41
